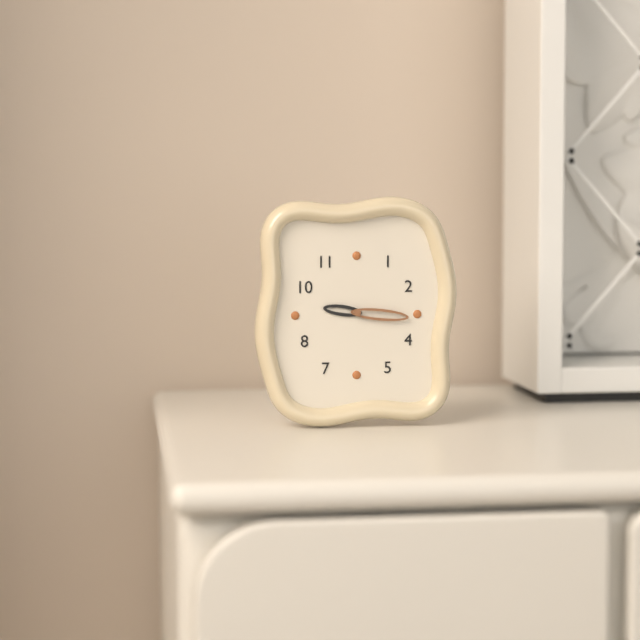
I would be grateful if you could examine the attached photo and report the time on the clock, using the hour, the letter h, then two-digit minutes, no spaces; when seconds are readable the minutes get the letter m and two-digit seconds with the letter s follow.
9h16
